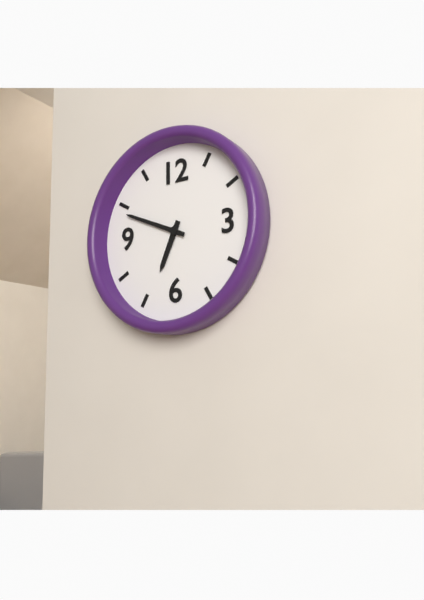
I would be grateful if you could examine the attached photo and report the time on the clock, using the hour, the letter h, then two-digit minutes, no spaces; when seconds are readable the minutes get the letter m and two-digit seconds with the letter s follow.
6h49
